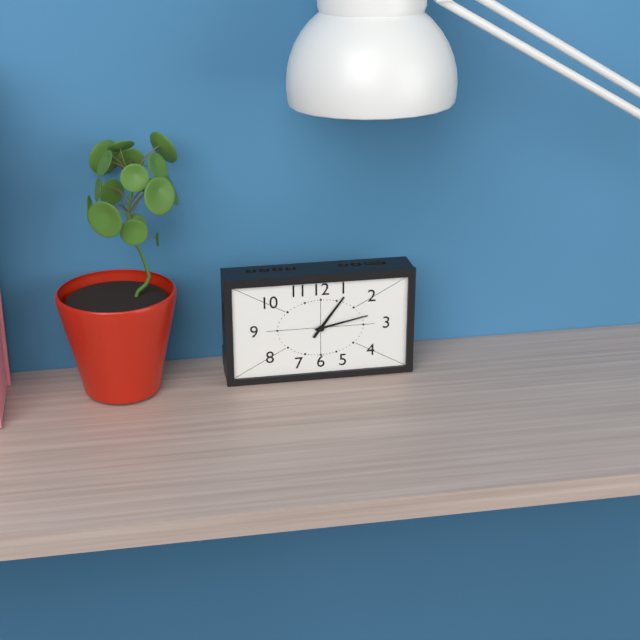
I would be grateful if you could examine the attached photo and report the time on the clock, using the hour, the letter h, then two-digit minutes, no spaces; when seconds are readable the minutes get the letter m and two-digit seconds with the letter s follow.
1h13
